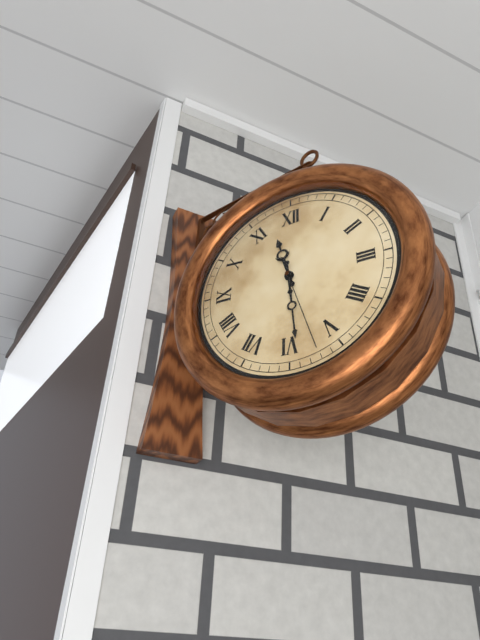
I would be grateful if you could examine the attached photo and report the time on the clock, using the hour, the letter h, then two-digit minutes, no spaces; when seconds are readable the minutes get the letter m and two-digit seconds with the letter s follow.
11h29m27s
